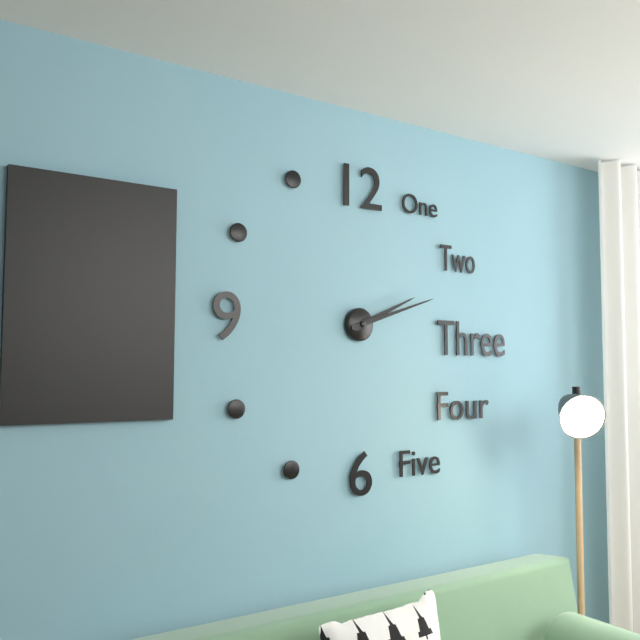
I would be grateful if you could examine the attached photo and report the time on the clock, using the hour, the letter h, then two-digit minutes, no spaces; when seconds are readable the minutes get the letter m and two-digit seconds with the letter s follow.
2h12
